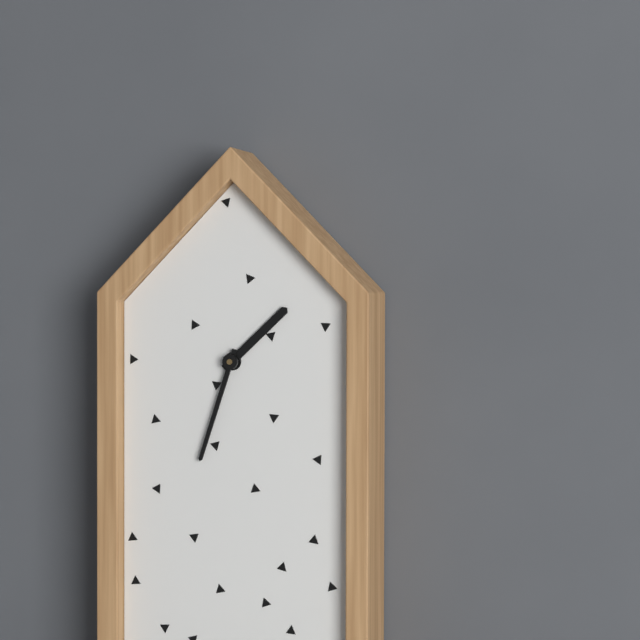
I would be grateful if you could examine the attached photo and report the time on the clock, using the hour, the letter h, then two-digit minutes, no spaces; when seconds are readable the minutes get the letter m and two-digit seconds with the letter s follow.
1h33
